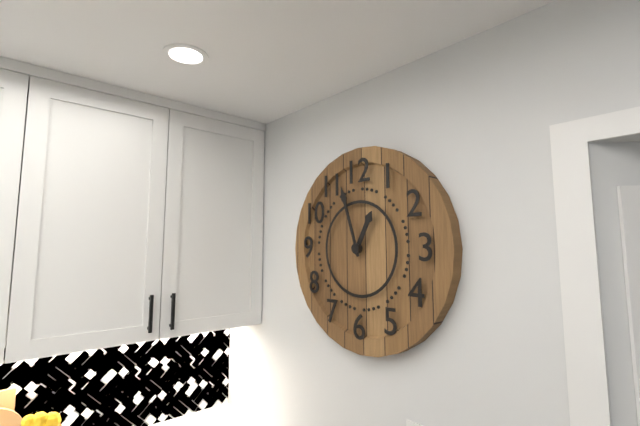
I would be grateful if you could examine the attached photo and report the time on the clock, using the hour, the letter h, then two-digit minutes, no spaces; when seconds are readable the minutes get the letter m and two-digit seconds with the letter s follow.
12h57
